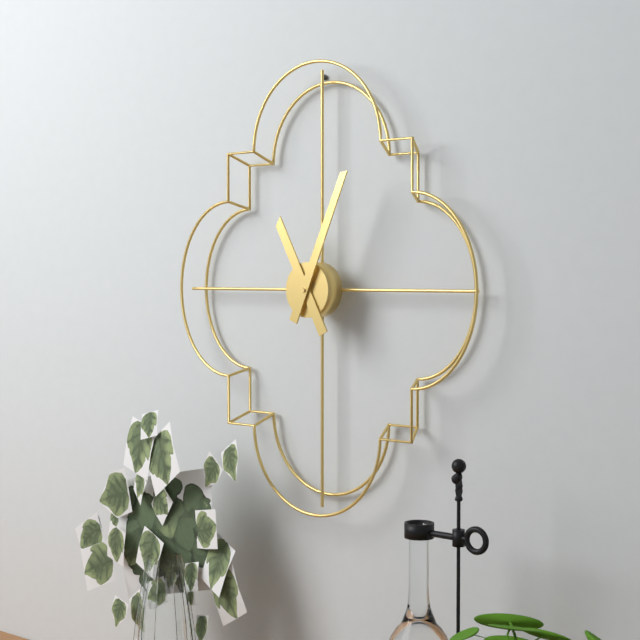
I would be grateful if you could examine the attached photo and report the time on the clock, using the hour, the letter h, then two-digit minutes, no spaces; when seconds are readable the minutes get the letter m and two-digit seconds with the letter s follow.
11h04
